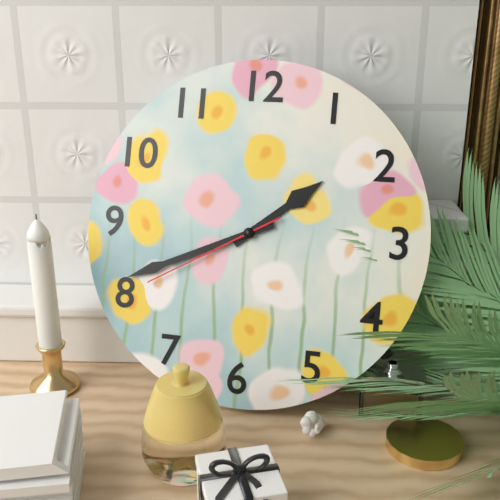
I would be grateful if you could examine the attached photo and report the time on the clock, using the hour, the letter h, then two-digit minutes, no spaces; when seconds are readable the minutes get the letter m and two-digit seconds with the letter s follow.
1h41m40s
